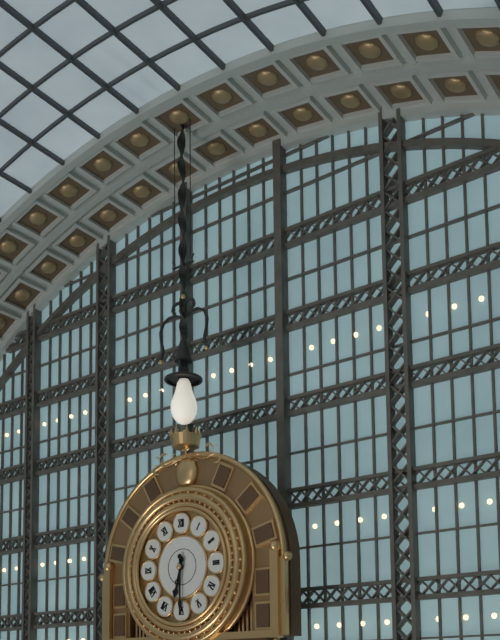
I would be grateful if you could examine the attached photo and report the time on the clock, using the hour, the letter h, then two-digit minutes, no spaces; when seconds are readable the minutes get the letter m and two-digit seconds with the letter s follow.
6h30
